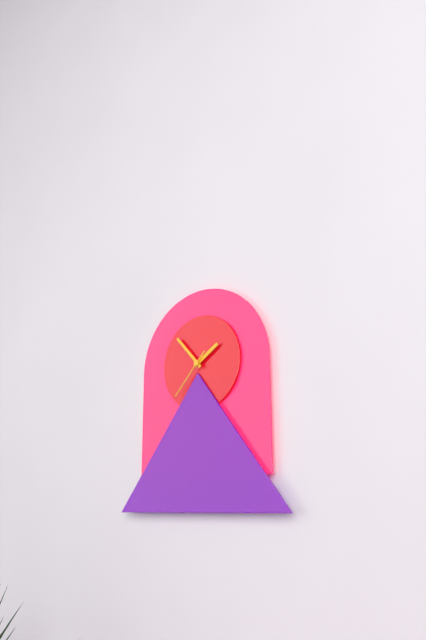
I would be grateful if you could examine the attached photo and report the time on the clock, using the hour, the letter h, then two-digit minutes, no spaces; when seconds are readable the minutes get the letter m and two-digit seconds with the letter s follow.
1h53
